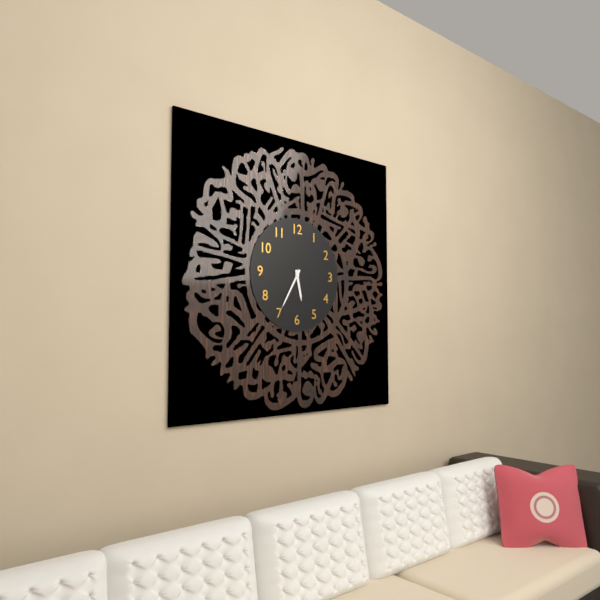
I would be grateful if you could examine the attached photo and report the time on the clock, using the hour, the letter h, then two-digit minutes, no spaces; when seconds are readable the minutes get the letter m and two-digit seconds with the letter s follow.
5h35
